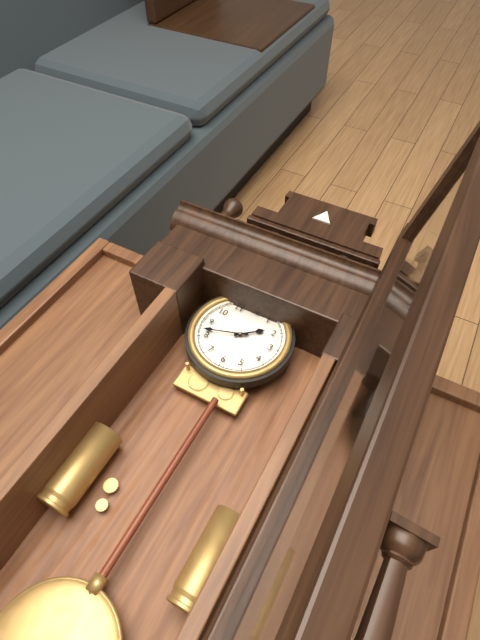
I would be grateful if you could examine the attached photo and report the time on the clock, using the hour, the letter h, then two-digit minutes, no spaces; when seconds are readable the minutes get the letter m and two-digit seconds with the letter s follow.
1h42
